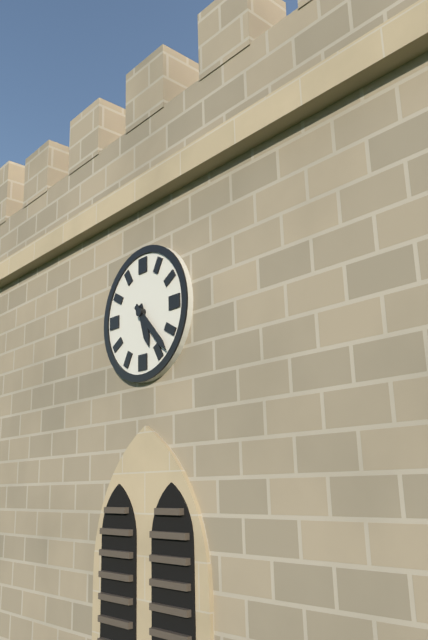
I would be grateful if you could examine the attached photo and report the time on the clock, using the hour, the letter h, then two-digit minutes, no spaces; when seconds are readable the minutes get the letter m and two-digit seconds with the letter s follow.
5h23
